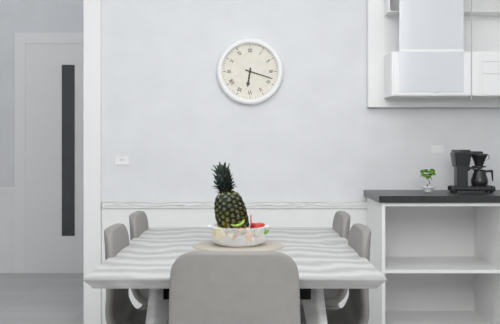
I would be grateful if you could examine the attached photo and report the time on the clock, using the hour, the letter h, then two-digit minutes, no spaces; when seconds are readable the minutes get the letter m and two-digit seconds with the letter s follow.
6h18
